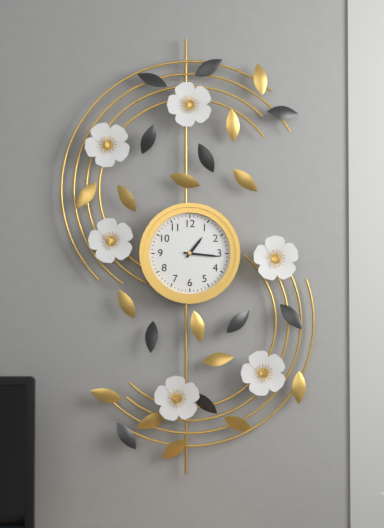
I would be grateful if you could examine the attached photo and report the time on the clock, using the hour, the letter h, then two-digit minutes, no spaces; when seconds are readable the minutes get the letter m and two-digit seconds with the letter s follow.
1h16
